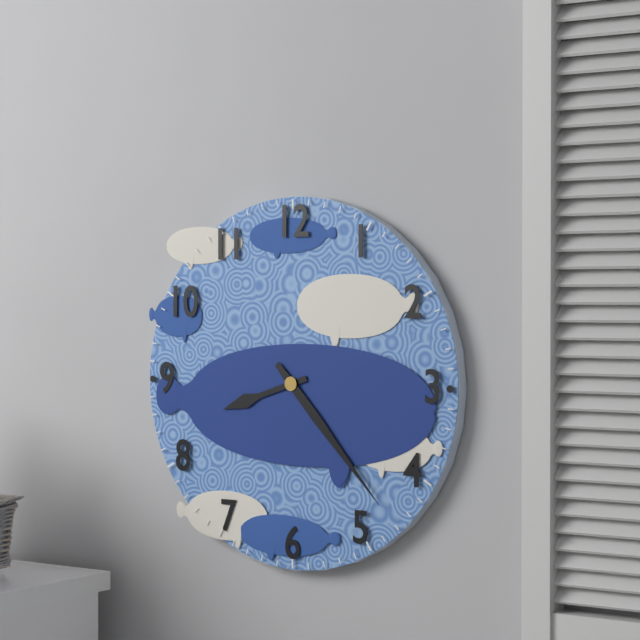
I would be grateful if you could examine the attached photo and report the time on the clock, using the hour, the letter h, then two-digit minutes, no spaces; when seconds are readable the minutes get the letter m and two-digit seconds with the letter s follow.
8h23
